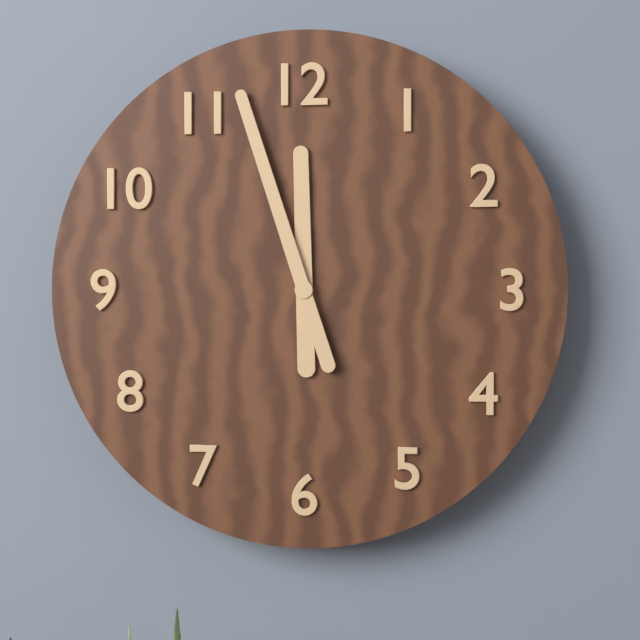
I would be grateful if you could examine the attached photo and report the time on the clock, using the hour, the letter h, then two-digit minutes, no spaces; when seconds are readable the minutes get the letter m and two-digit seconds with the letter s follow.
11h57
